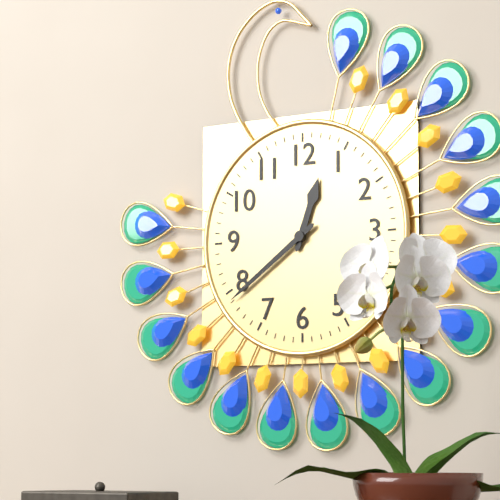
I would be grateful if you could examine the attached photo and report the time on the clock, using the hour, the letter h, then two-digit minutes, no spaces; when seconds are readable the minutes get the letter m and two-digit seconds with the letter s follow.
12h39
